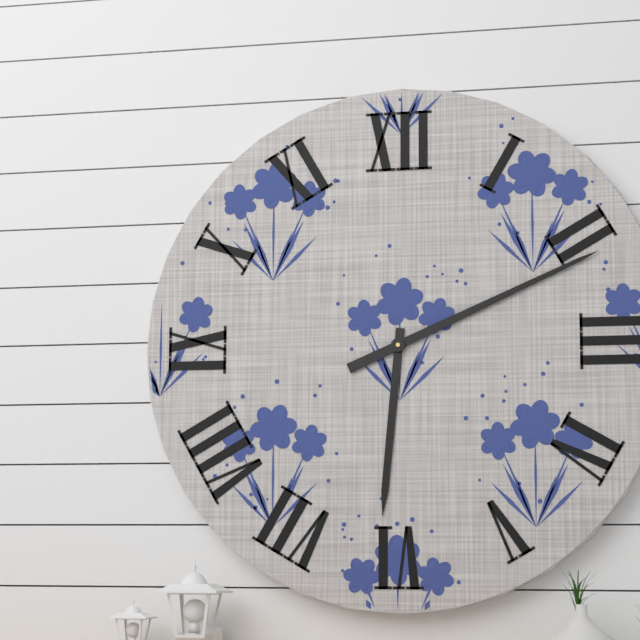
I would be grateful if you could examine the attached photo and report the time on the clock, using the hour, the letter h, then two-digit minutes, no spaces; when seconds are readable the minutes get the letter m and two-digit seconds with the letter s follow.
6h11
